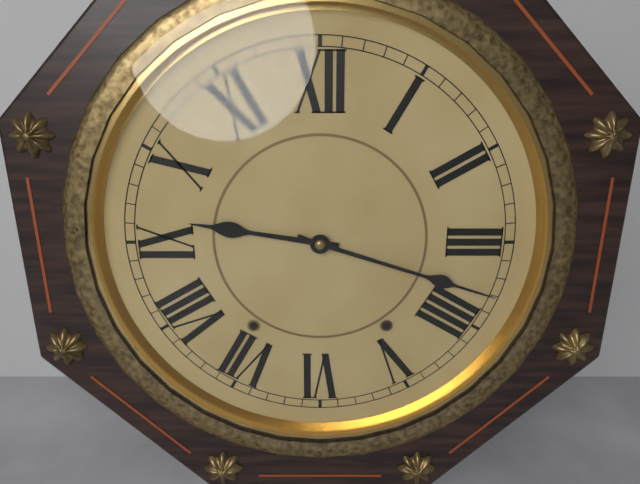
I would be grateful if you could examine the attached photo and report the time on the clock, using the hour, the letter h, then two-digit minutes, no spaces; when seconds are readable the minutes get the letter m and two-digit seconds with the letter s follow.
9h18
